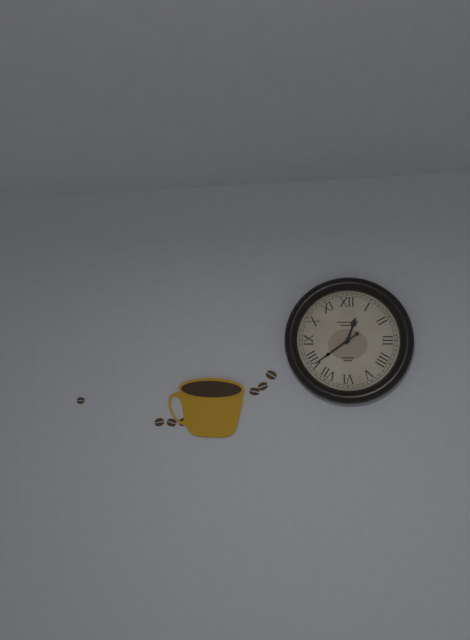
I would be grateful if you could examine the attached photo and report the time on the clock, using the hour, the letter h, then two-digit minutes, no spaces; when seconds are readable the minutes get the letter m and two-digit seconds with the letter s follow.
12h39
